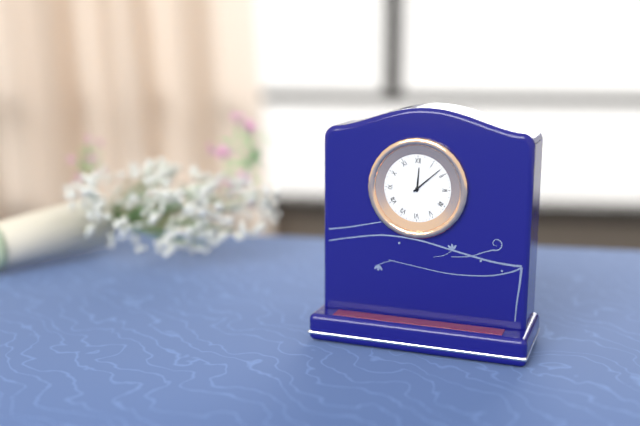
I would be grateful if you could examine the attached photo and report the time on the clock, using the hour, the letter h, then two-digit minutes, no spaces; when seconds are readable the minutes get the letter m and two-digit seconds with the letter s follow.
12h08
